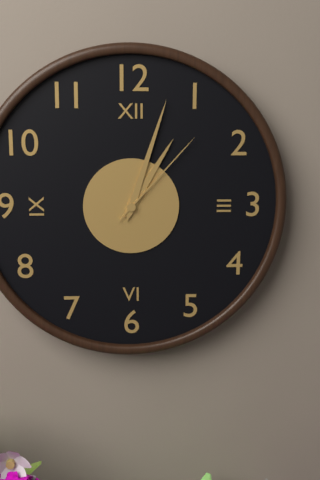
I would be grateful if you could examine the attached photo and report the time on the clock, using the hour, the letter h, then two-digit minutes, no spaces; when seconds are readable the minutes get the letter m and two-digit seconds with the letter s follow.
1h03m07s
